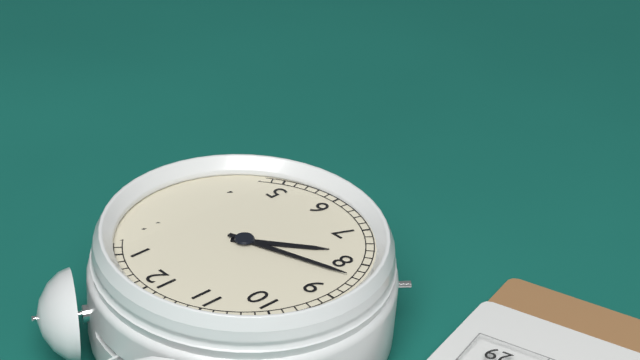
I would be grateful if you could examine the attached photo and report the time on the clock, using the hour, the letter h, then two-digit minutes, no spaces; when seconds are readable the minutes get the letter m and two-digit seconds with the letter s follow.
7h42
